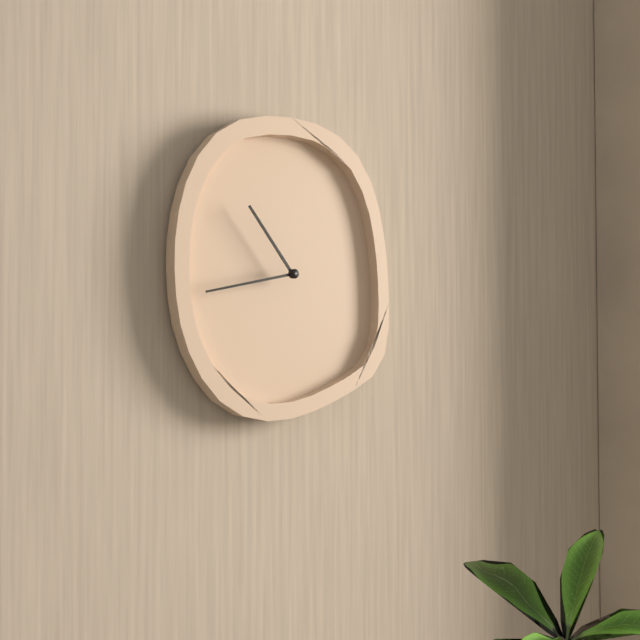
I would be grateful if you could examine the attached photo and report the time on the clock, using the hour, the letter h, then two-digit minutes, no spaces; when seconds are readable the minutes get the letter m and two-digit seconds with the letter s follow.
10h43
